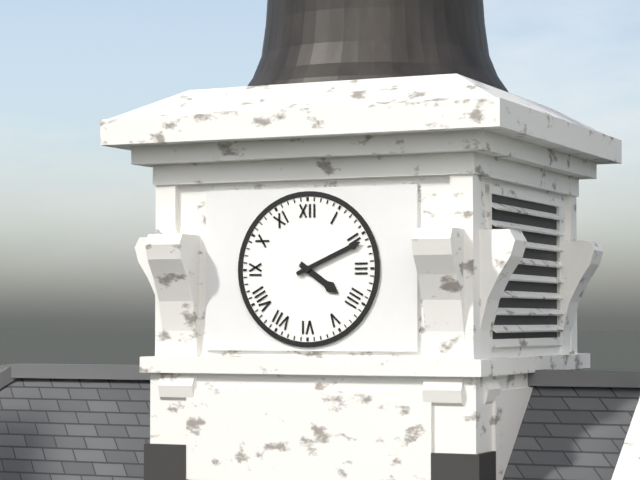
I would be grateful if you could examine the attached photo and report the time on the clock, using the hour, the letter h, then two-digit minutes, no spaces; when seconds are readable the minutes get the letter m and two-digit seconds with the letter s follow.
4h11
